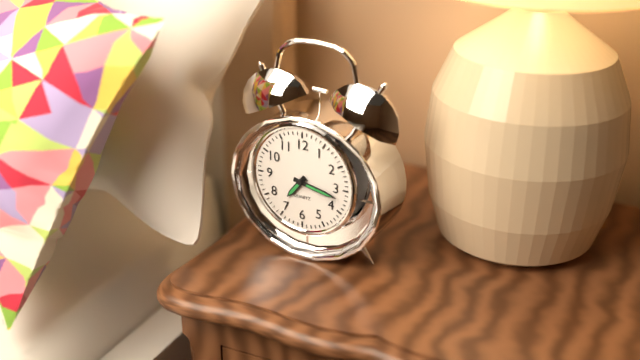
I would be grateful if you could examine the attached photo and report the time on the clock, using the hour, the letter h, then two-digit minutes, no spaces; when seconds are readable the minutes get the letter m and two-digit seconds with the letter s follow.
7h17
